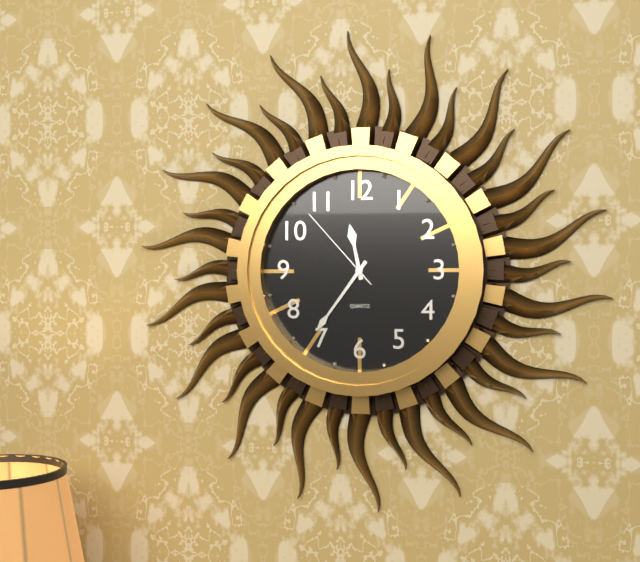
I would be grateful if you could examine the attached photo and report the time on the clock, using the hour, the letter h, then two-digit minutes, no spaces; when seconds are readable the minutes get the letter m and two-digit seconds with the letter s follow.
11h36m53s
